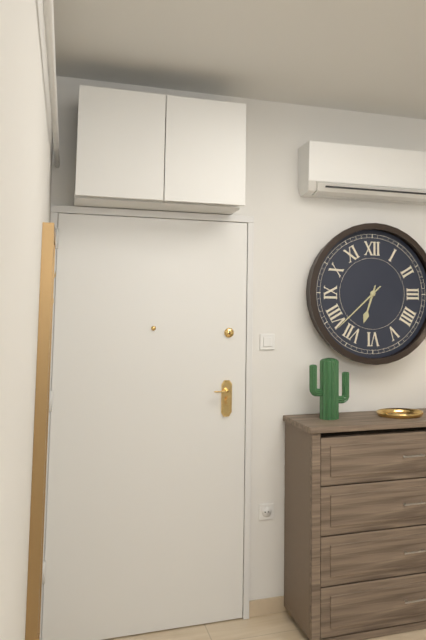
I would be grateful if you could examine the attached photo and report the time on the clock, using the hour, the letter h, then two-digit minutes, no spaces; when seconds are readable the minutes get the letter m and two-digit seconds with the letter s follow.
6h38
